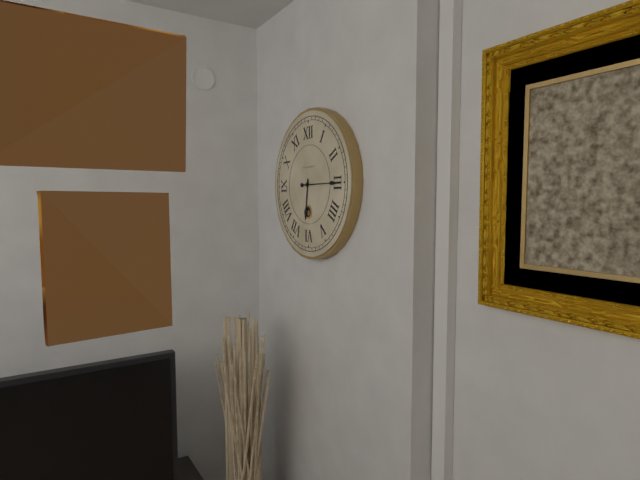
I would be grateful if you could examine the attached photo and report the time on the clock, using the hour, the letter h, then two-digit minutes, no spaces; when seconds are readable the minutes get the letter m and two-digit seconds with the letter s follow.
6h15
